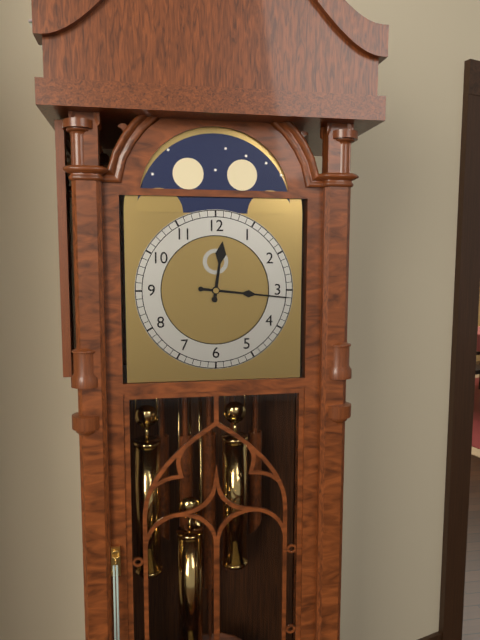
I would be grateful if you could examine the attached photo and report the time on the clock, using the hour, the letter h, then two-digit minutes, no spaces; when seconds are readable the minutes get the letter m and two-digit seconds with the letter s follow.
12h16
